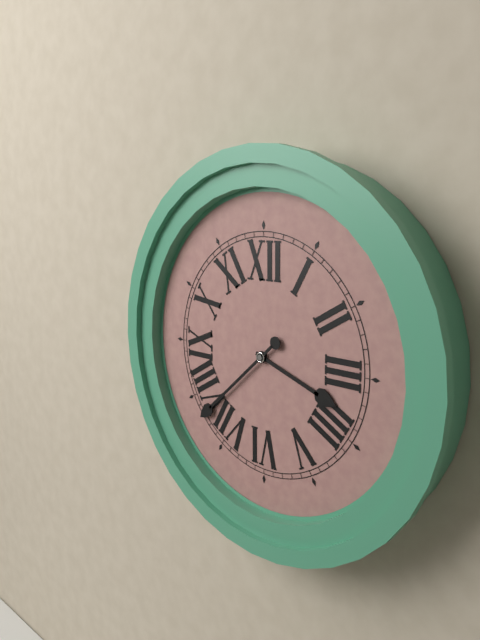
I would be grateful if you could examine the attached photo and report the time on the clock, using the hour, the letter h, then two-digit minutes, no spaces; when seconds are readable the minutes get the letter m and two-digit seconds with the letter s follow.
3h38
